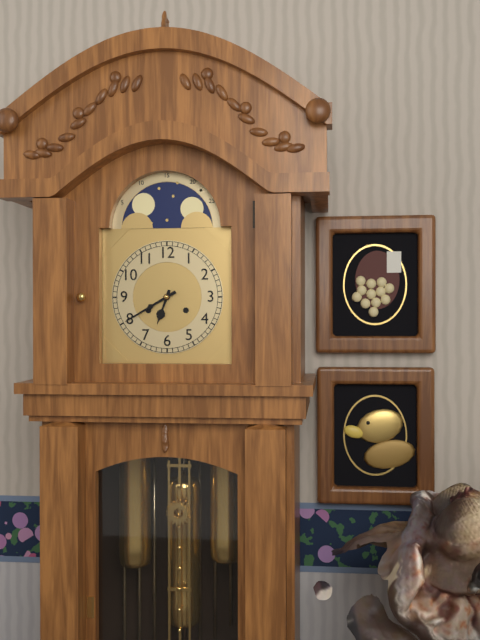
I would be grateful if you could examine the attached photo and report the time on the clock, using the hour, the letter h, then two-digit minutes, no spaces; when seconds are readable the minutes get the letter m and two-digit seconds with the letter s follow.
6h40
